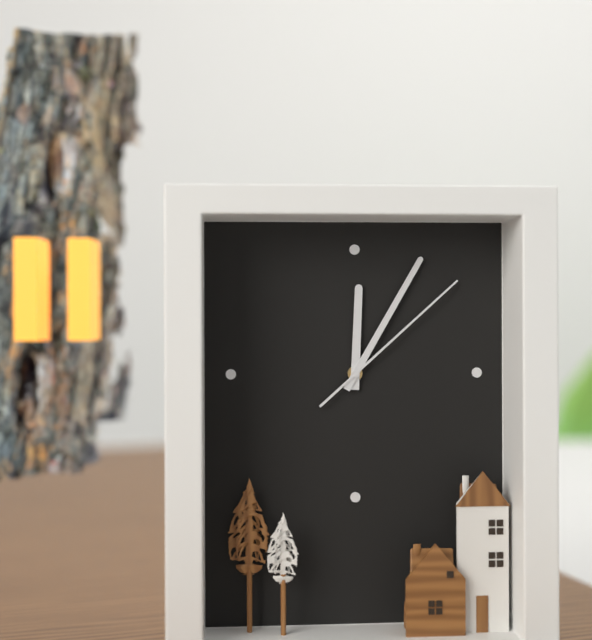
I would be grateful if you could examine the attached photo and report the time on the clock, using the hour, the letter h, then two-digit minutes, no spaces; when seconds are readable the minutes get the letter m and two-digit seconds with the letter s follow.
12h05m08s
